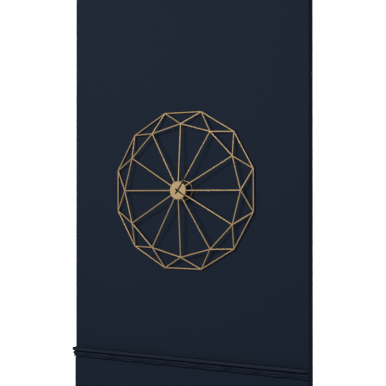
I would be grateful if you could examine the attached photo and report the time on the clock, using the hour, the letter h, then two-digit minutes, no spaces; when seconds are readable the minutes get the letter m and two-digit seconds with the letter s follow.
4h06
